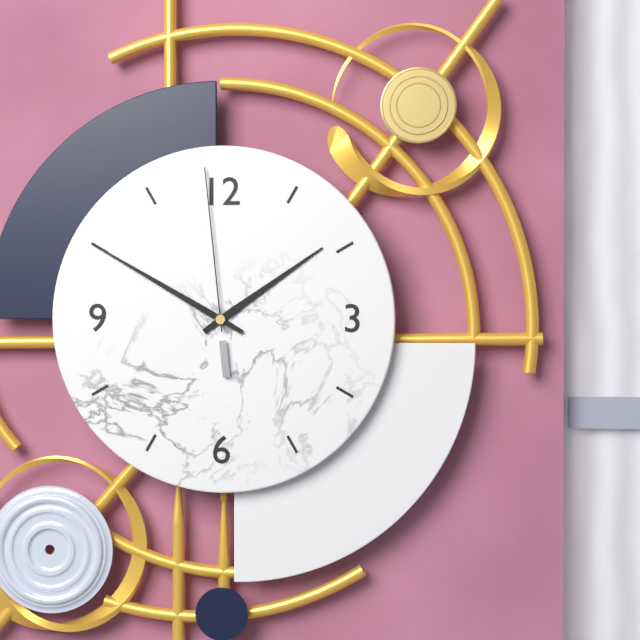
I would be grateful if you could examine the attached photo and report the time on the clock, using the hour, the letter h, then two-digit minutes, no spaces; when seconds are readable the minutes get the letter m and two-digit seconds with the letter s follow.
1h50m59s
